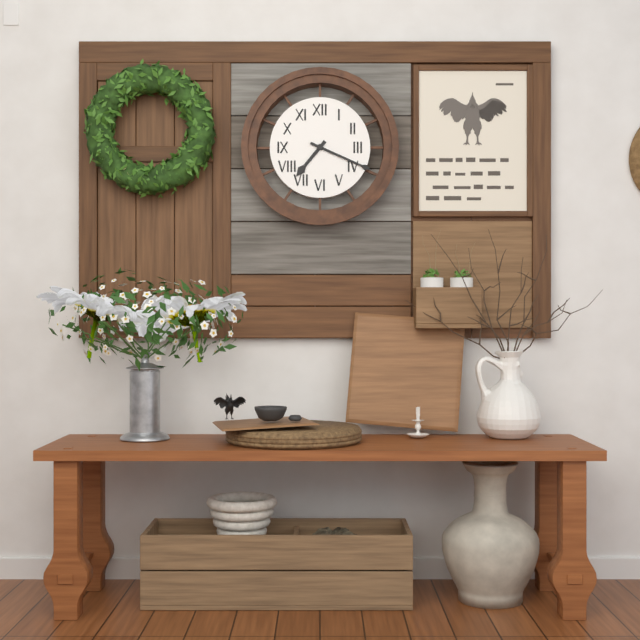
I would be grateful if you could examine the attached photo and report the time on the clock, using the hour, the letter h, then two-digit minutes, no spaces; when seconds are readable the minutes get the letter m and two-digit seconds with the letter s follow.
7h19
